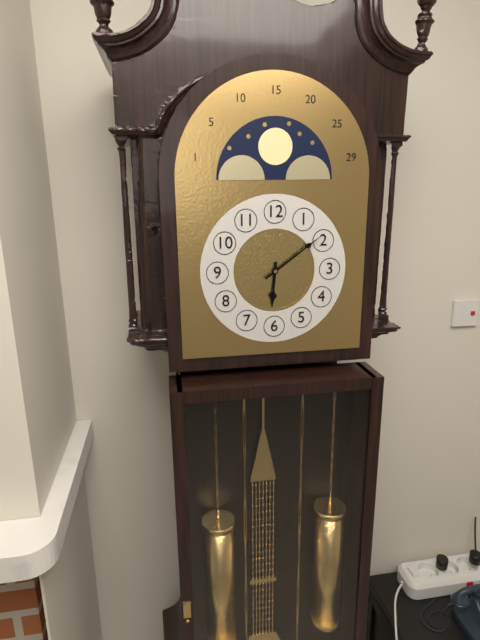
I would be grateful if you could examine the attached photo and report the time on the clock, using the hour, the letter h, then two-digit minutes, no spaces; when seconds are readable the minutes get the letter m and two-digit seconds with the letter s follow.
6h09
